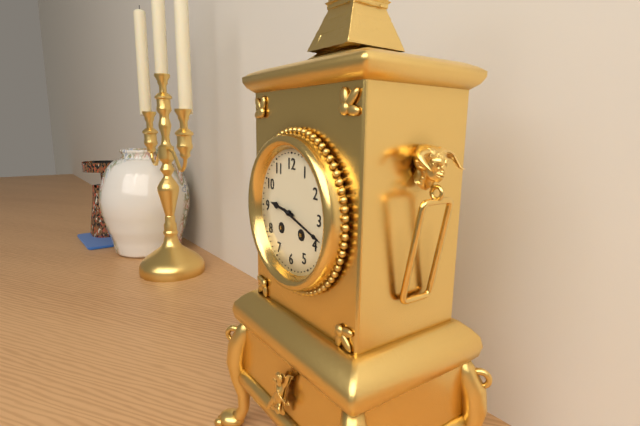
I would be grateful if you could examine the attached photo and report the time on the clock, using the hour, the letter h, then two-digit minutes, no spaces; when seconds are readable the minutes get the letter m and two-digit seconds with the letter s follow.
9h18
